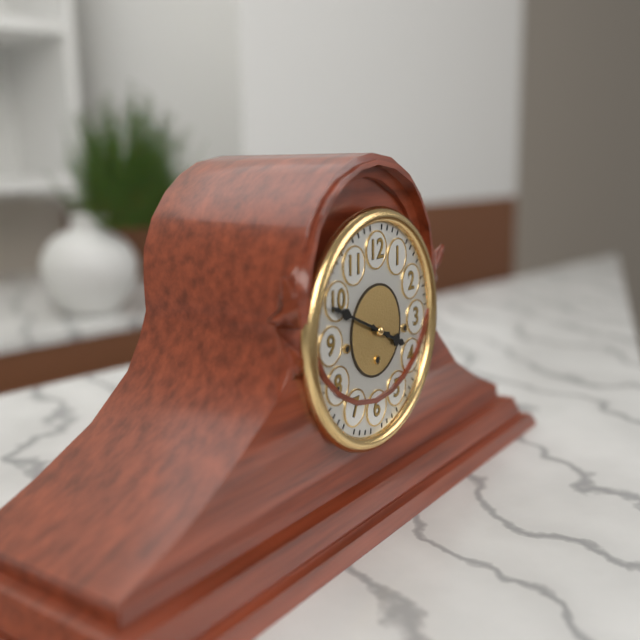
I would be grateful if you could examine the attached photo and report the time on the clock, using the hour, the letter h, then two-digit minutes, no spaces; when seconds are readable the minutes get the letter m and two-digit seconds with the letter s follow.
3h49
